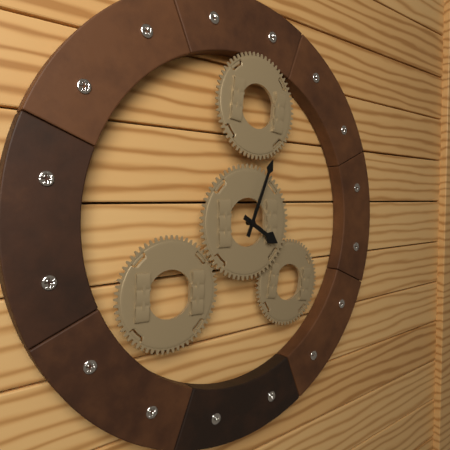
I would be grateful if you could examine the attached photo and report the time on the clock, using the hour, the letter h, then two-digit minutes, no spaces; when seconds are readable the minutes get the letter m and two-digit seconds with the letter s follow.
4h04
